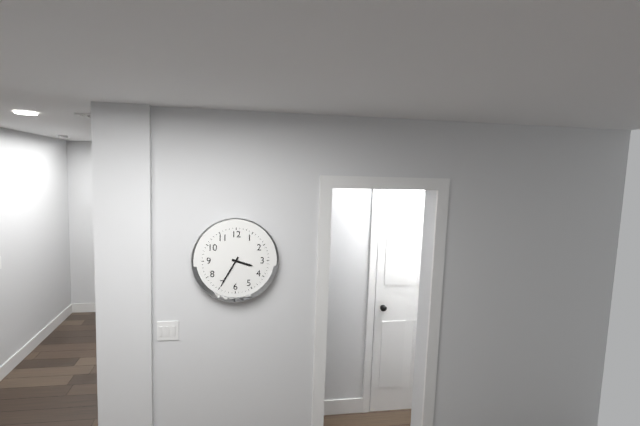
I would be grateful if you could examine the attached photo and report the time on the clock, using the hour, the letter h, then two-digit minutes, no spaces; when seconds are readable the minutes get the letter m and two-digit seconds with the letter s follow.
3h35
